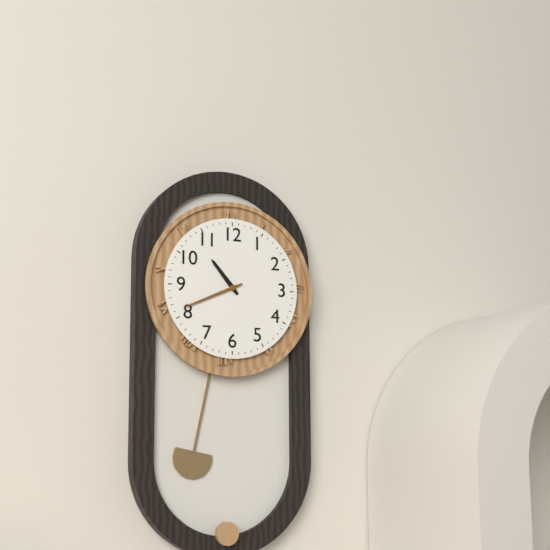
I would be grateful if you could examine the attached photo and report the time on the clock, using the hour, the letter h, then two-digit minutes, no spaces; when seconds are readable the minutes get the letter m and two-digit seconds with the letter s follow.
10h41
